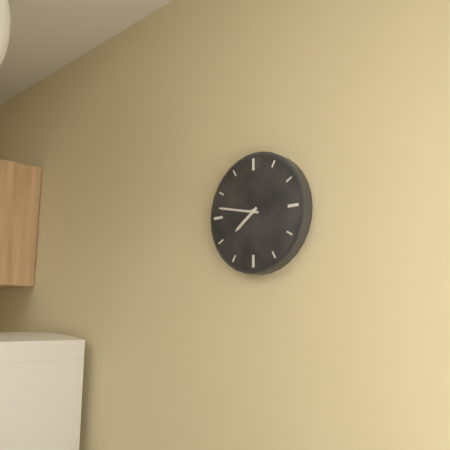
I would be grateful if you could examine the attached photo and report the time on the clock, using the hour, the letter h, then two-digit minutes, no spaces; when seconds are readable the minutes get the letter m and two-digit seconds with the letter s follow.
7h47
